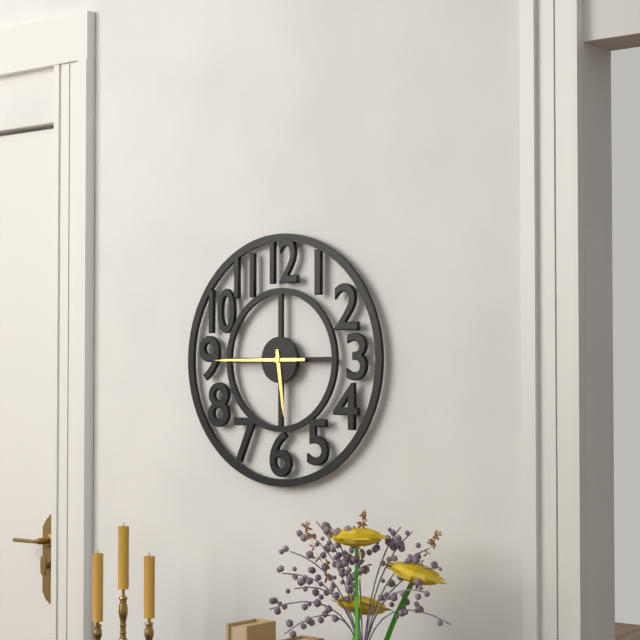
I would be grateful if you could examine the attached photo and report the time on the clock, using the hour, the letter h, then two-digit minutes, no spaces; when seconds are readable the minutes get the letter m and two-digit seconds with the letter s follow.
5h45
